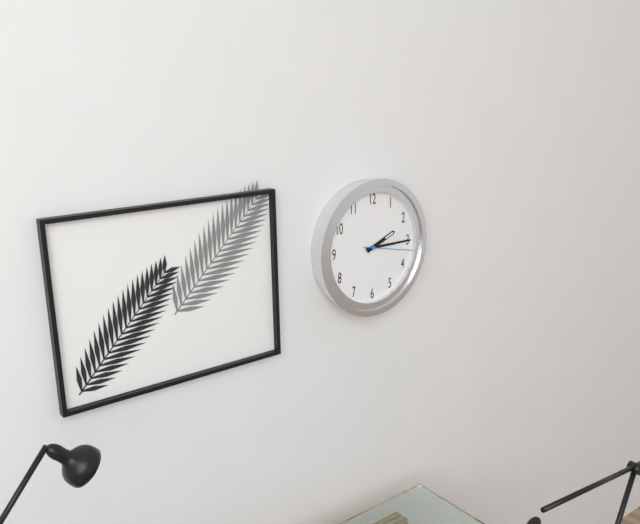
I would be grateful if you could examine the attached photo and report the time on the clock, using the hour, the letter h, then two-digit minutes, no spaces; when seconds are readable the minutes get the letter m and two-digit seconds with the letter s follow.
2h15m17s
